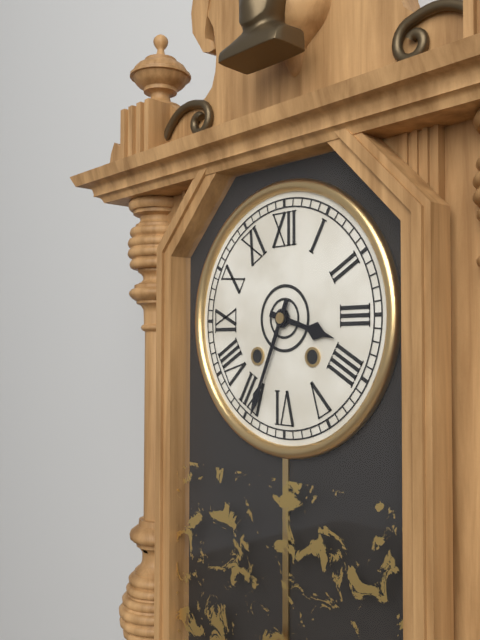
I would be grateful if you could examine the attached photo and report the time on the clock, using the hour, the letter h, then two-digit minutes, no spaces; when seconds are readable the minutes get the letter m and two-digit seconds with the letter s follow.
3h34
